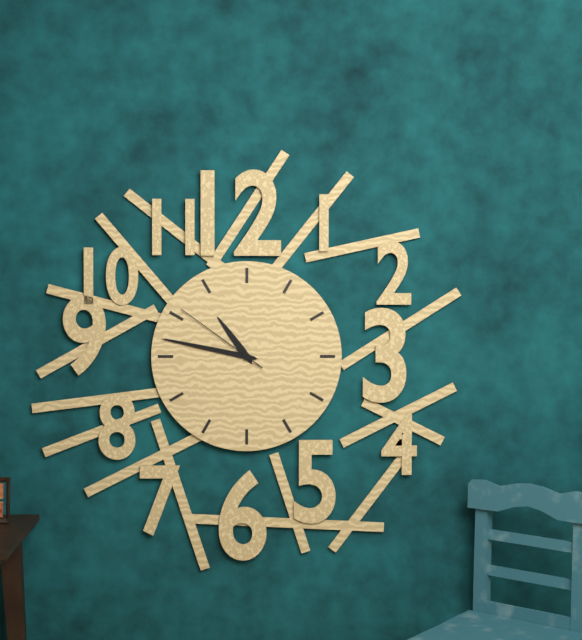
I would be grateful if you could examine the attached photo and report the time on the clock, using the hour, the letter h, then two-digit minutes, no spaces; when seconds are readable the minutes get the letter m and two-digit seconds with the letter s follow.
10h47m51s
